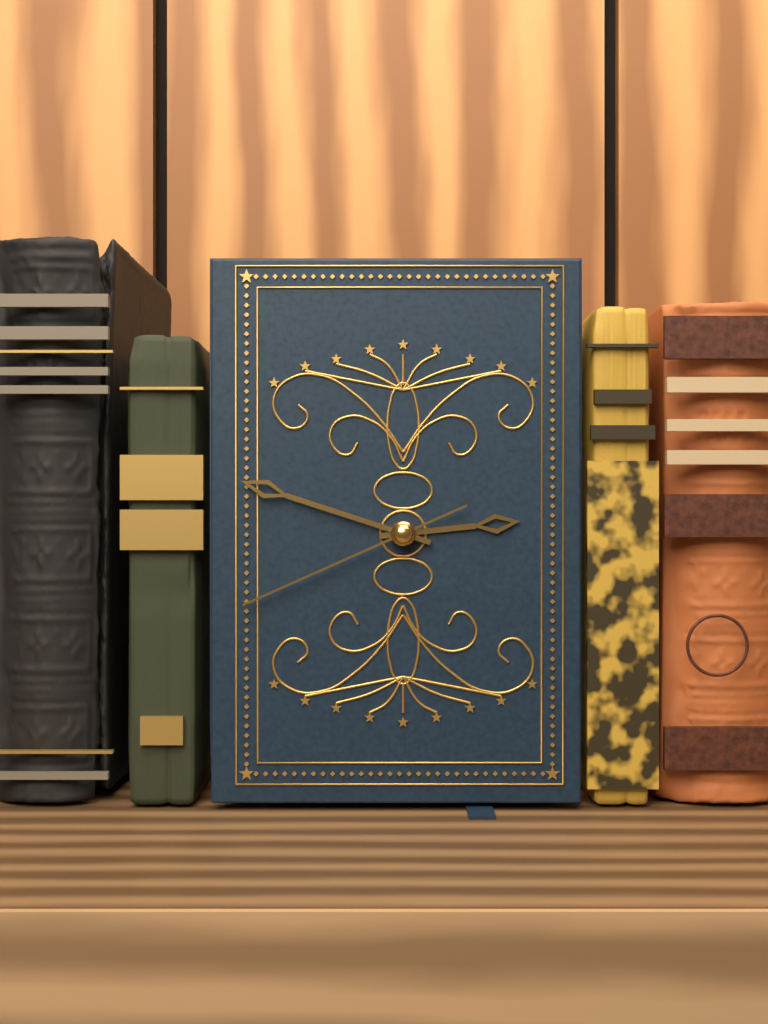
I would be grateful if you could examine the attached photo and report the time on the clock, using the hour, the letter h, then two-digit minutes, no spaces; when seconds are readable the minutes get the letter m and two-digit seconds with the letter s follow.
2h48m41s
